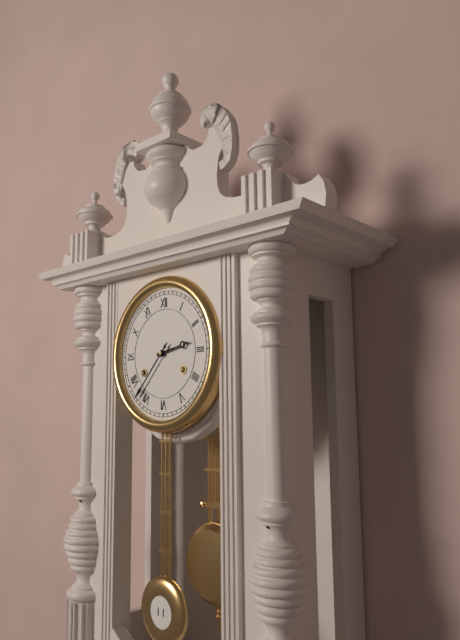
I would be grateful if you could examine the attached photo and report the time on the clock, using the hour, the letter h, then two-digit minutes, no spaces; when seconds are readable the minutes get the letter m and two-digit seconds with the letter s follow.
2h37
